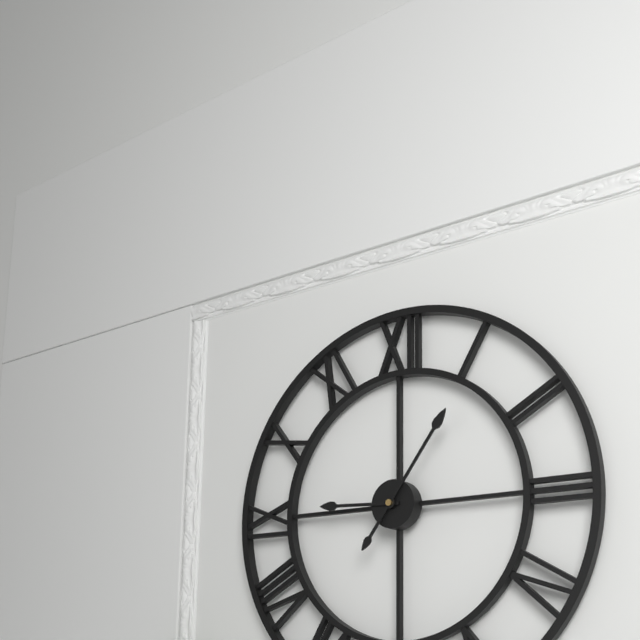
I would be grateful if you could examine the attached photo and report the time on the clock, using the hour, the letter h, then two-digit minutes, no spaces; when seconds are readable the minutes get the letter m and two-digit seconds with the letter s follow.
9h06
